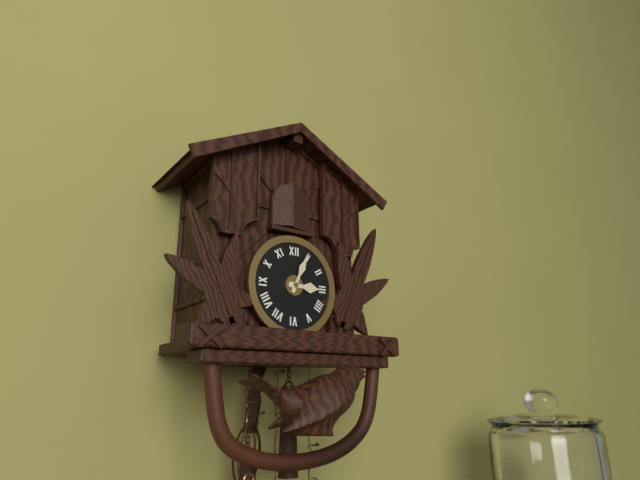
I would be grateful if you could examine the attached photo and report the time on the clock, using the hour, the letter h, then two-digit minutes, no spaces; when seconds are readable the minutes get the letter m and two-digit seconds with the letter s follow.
3h04
